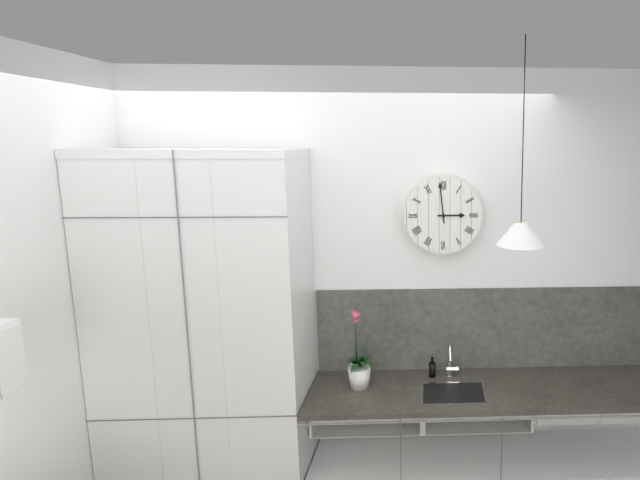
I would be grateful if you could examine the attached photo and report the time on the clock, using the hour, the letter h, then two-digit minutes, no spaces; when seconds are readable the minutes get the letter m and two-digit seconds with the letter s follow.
2h59
